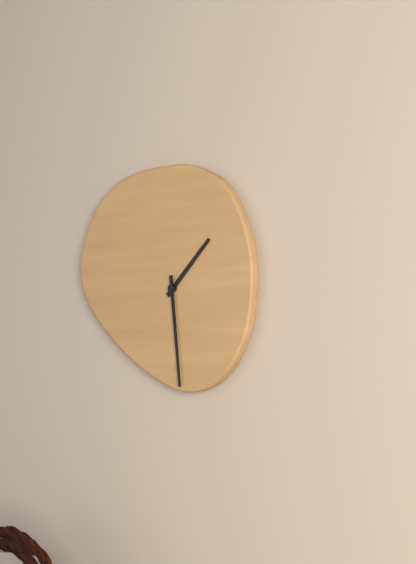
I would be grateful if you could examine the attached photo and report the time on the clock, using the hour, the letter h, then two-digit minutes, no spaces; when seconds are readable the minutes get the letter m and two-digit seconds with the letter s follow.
1h29
